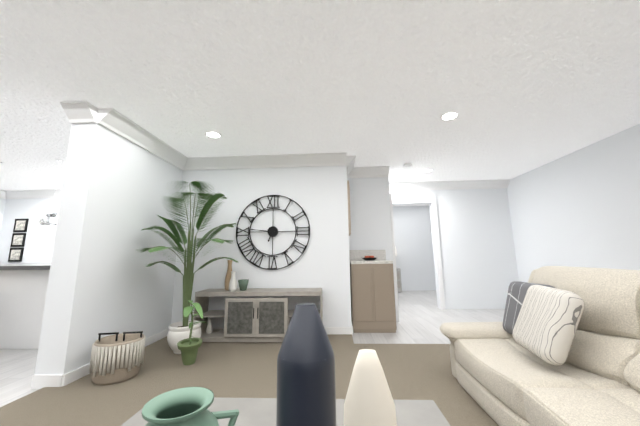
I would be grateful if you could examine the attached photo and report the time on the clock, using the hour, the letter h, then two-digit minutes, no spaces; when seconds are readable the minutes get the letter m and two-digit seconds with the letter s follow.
6h46
